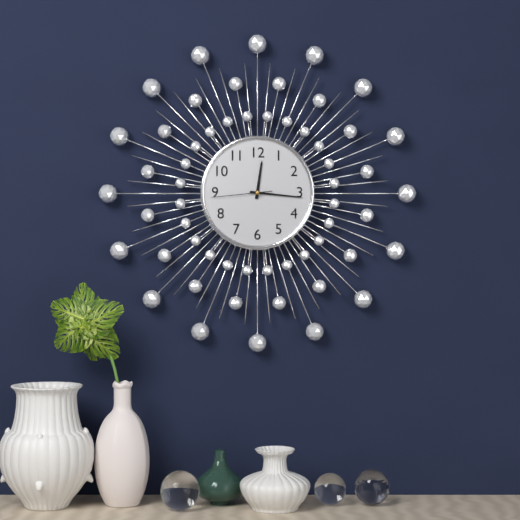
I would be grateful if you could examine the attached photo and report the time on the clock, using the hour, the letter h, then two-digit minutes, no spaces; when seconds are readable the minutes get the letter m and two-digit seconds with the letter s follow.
12h16m44s
